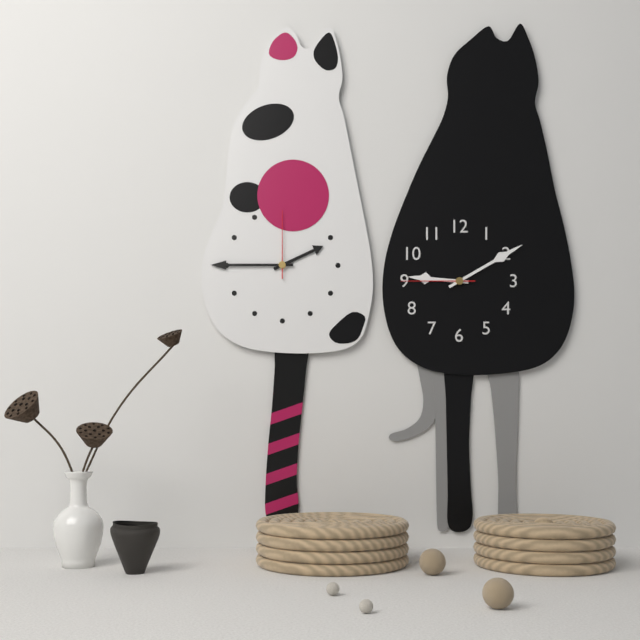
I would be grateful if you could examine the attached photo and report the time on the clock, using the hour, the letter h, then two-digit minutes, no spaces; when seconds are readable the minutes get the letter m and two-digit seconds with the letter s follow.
9h10m45s
